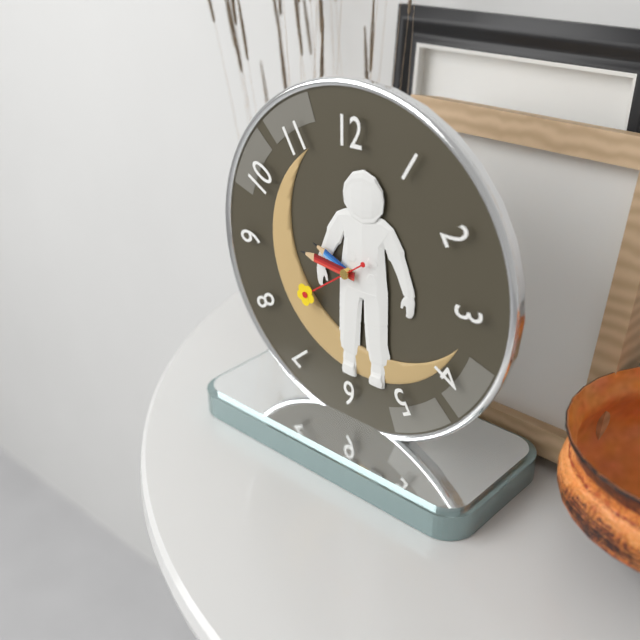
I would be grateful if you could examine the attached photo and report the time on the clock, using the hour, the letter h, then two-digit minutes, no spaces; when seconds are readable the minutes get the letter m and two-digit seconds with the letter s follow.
9h46m39s
